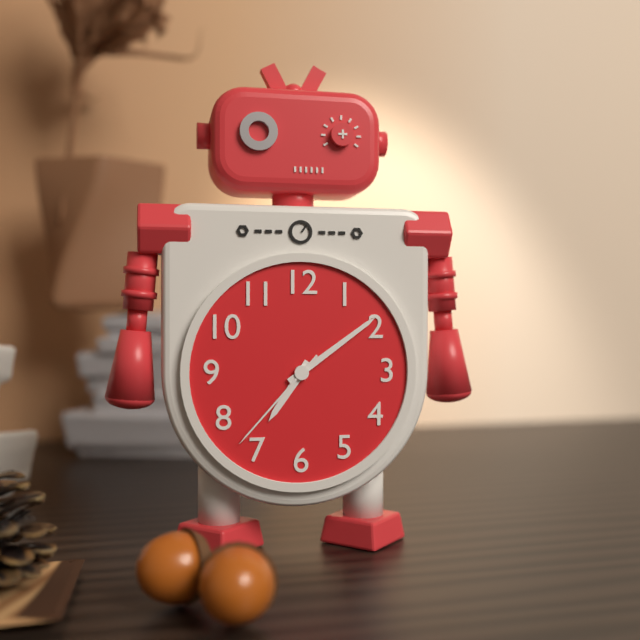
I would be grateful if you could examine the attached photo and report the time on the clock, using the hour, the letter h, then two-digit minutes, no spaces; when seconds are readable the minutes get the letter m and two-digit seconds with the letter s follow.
7h09m37s
